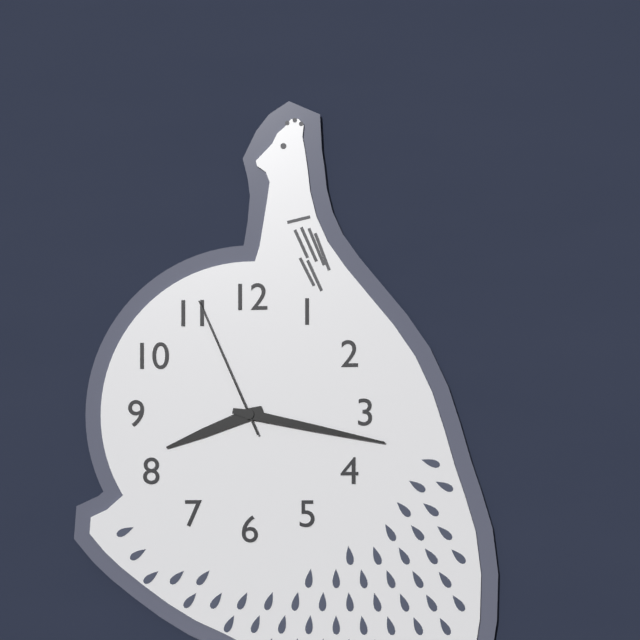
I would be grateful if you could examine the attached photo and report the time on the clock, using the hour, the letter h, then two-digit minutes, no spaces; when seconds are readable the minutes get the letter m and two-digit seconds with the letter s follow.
8h17m56s
